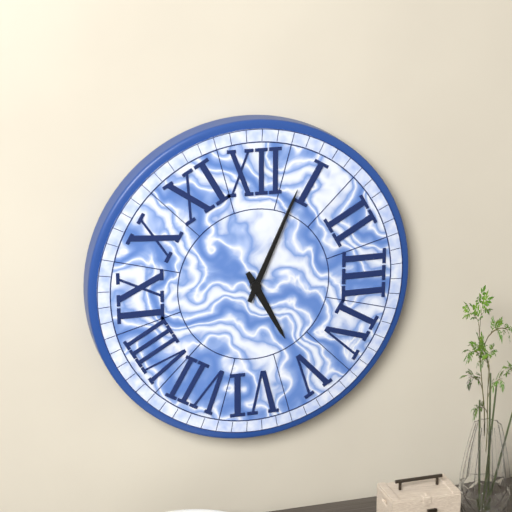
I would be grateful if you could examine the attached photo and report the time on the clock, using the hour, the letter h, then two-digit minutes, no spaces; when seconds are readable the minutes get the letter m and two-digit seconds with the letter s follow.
5h04
